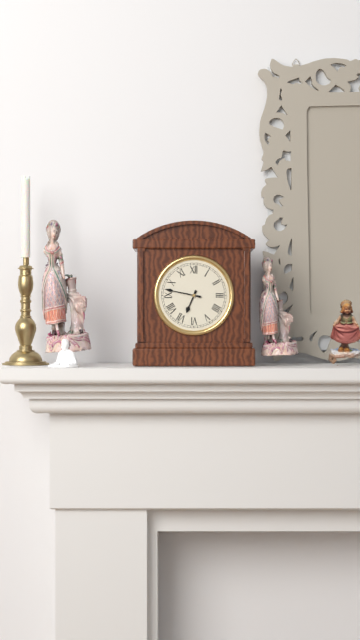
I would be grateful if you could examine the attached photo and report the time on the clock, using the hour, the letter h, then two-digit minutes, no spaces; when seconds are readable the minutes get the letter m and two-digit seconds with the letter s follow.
6h47
